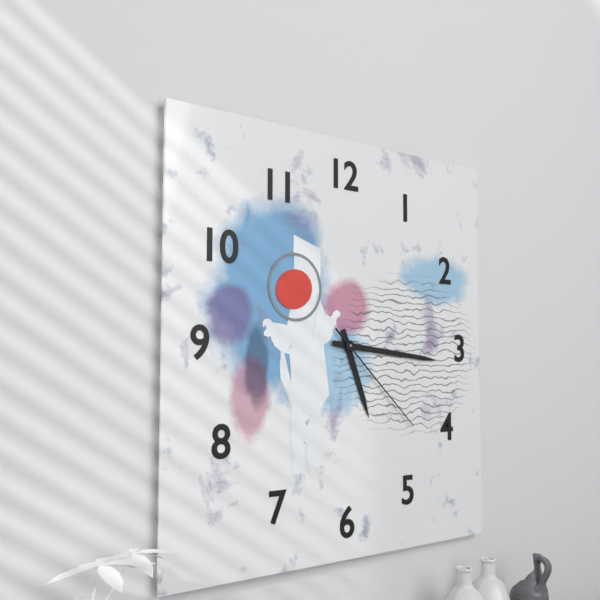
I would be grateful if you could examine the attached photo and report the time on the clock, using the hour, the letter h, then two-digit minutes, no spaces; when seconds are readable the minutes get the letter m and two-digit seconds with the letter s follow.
5h16m22s
